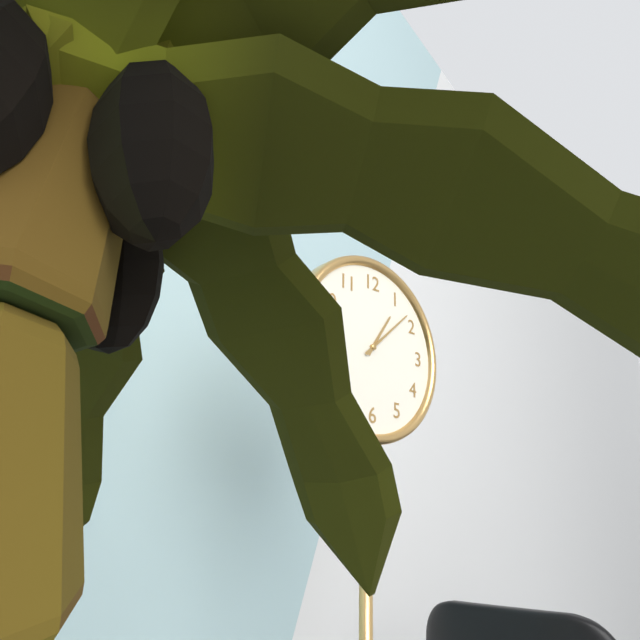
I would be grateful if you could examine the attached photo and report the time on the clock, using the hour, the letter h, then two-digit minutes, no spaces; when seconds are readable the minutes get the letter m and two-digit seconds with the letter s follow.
1h08
